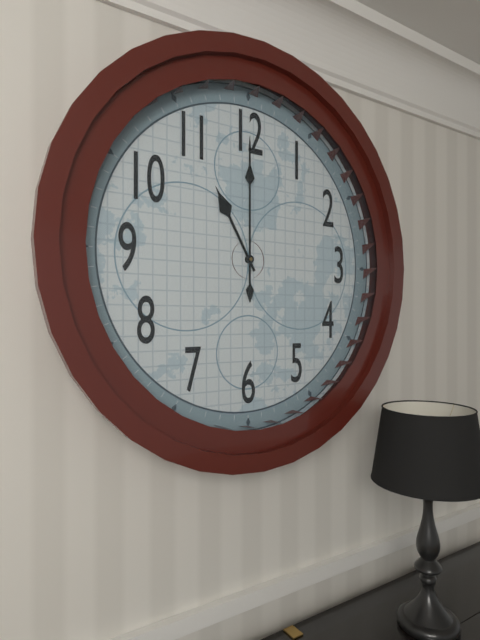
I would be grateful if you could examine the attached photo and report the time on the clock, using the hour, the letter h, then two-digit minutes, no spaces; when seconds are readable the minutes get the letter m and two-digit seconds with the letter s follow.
11h00
